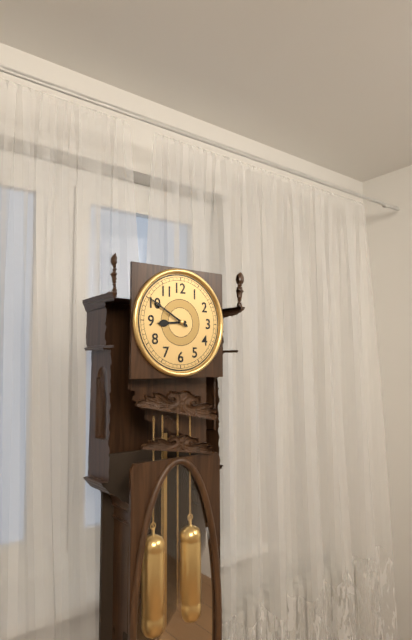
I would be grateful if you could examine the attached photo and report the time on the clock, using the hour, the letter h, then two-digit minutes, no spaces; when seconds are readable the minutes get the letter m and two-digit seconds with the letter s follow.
8h50
